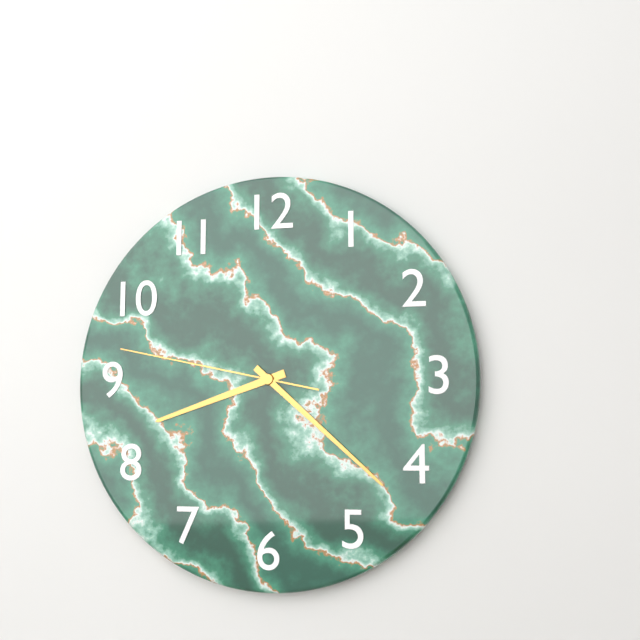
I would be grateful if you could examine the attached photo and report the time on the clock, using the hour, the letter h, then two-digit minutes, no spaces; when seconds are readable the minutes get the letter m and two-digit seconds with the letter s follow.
8h22m47s
